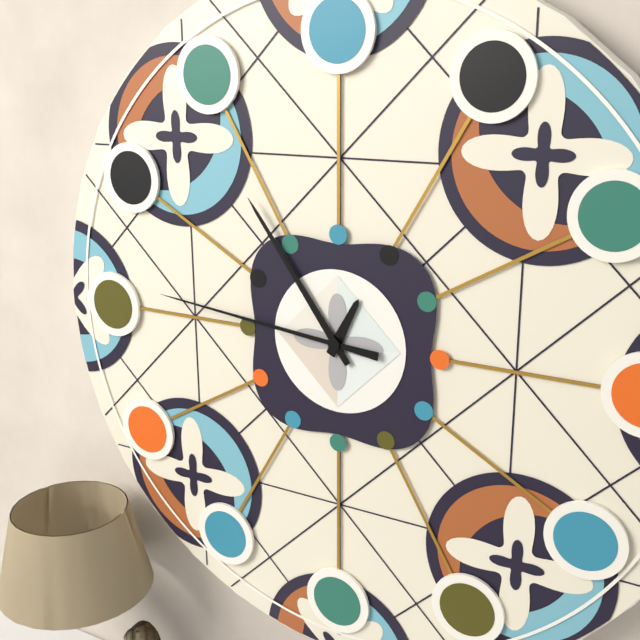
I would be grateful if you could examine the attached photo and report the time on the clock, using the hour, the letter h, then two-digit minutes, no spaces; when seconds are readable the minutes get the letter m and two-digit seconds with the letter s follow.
12h54m46s
